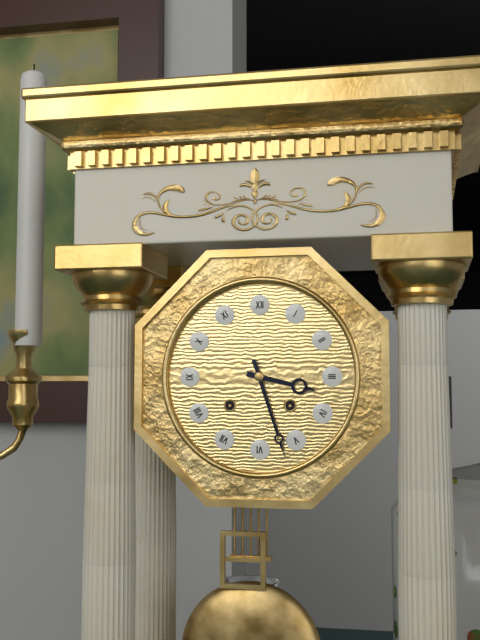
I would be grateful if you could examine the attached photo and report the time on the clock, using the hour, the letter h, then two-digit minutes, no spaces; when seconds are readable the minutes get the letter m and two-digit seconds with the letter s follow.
3h27
